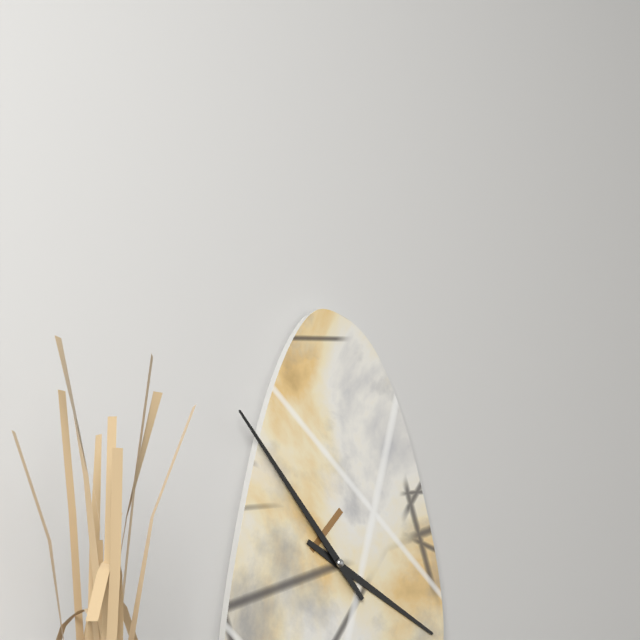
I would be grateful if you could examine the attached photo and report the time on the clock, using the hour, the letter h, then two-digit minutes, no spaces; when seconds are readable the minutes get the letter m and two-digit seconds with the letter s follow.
3h53
